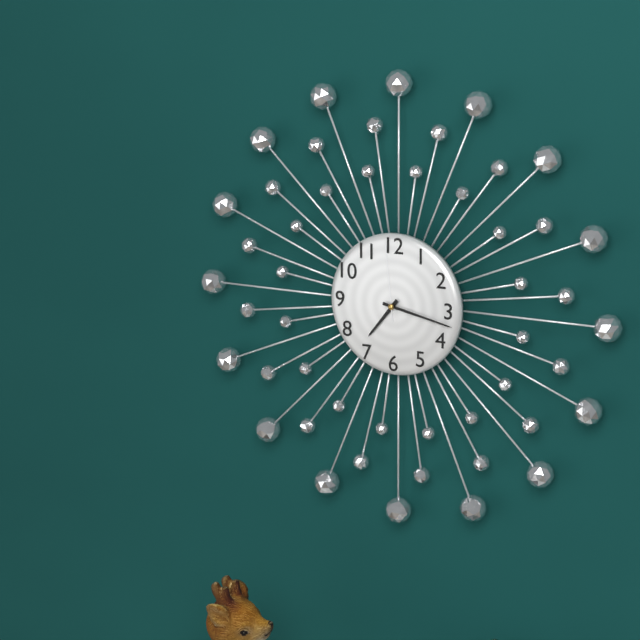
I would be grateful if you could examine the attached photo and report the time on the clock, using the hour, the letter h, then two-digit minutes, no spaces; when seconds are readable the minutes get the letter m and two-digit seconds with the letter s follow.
7h17m59s
